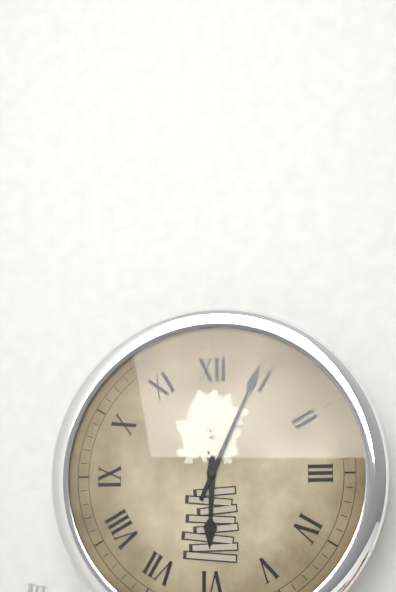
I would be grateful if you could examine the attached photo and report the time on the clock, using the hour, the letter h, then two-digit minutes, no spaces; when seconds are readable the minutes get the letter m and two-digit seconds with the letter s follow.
6h04
